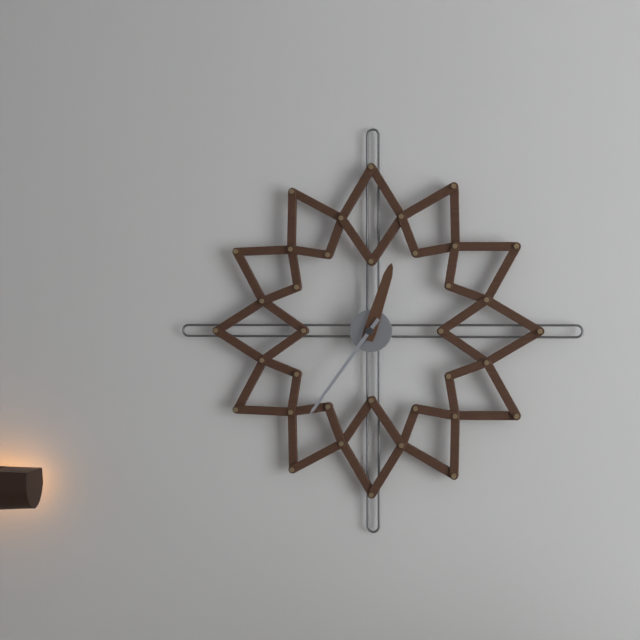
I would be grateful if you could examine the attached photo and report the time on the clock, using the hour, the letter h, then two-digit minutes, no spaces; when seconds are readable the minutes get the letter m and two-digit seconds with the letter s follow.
12h36
